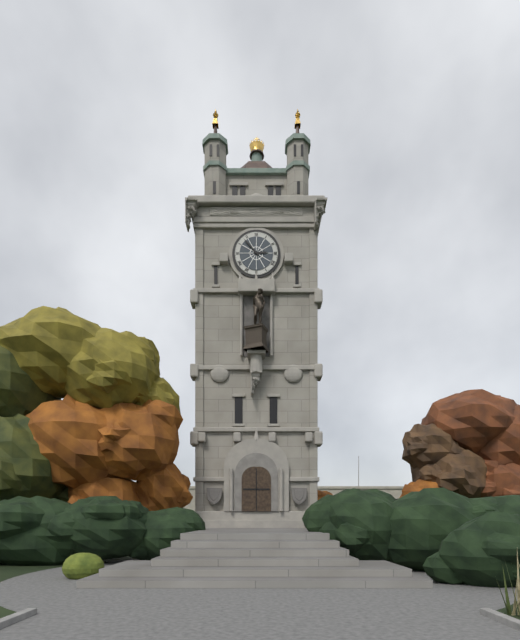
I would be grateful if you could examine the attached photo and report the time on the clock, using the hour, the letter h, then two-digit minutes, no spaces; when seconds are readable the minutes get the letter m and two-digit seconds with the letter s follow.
2h53
